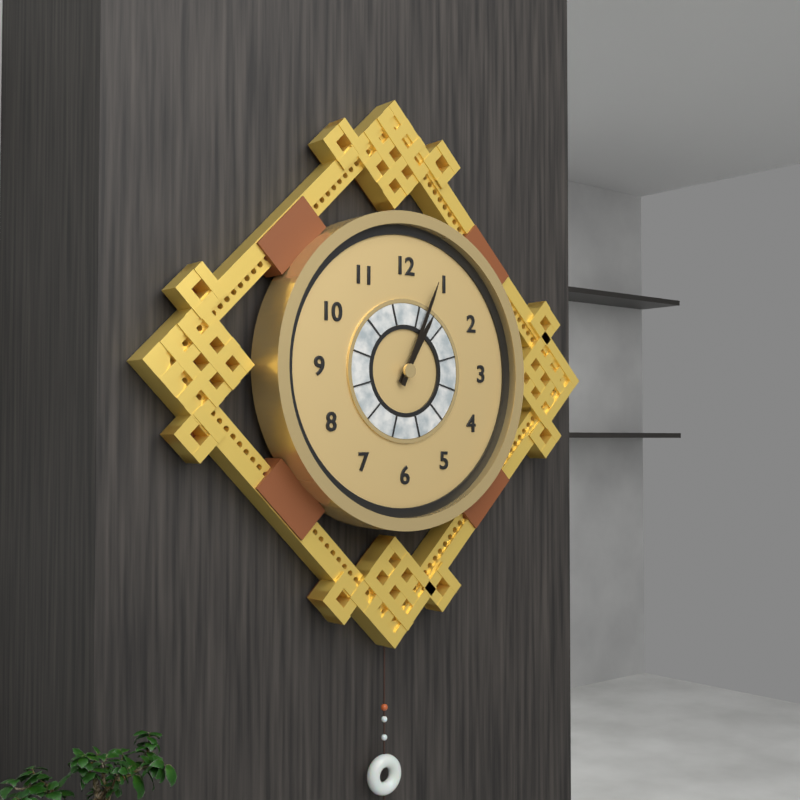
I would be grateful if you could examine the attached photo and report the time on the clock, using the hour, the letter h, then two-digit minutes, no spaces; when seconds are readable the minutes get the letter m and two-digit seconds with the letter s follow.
1h04
